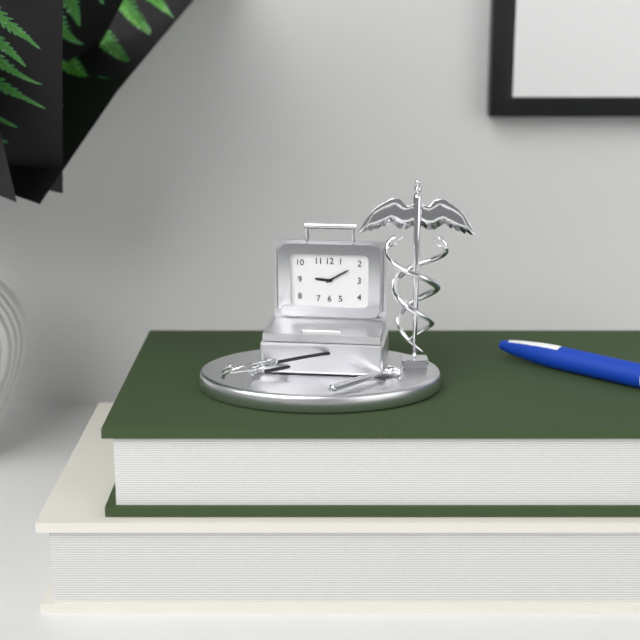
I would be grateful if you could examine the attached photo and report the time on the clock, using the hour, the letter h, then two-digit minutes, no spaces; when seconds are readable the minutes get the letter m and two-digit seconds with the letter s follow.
9h10
